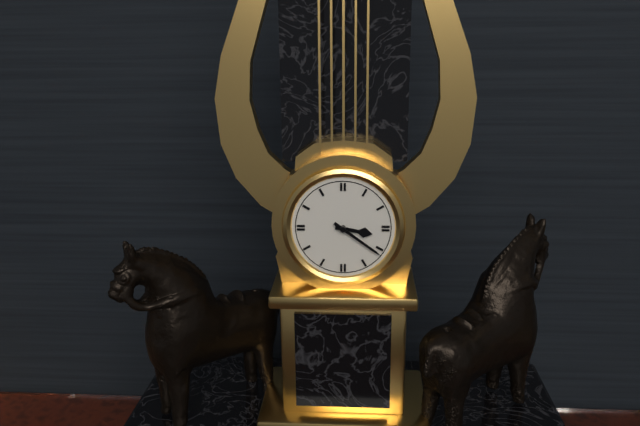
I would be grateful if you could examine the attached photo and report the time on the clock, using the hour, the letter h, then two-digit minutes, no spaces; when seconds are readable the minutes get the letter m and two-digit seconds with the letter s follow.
3h21
